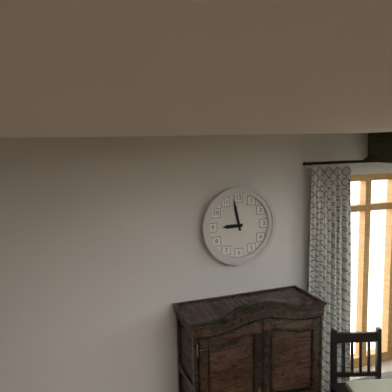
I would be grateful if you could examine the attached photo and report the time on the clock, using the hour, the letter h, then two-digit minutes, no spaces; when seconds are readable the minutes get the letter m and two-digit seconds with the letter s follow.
8h58
